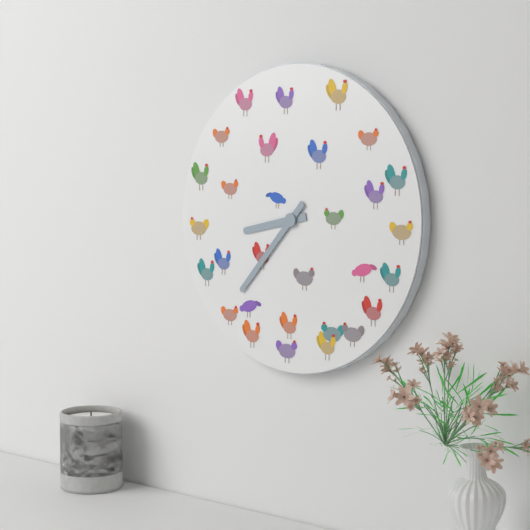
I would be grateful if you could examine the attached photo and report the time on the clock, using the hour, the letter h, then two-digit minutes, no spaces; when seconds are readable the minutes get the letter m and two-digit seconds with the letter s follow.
8h37
